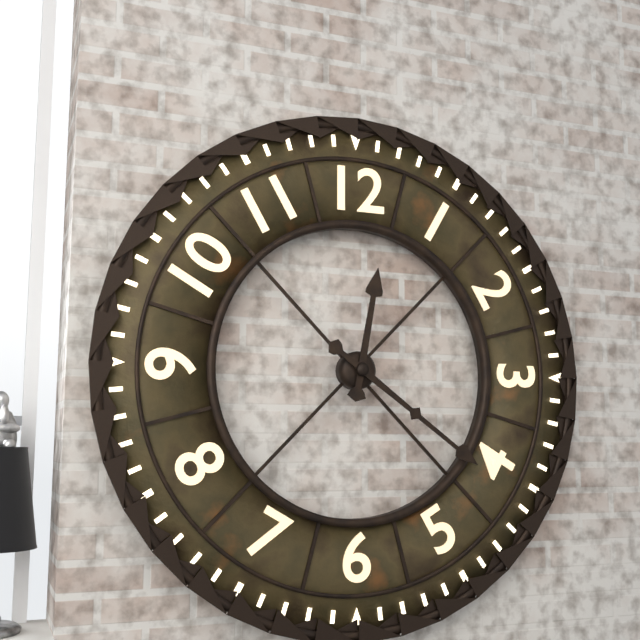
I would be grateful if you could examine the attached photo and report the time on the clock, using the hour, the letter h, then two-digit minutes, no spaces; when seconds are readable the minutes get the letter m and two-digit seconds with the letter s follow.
12h21
